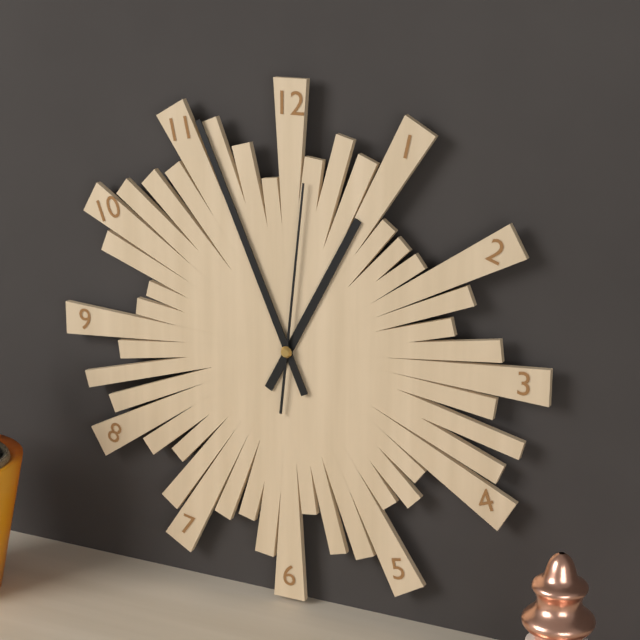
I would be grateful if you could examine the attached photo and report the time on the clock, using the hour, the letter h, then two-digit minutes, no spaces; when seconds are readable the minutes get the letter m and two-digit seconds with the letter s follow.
12h56m01s
